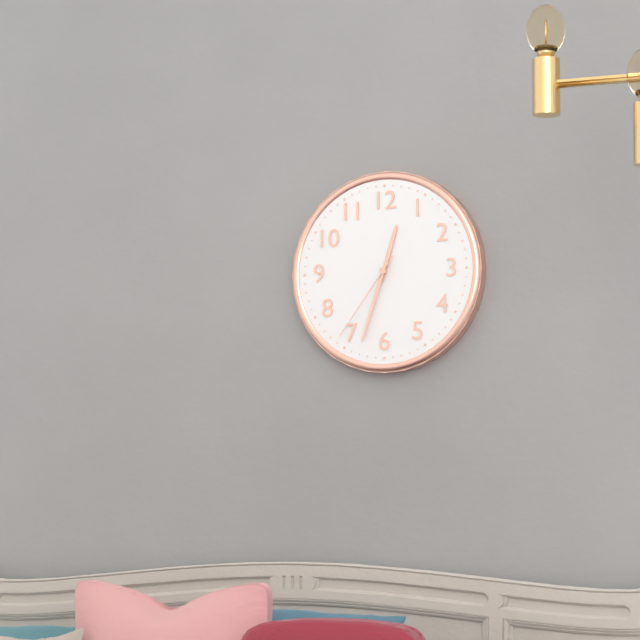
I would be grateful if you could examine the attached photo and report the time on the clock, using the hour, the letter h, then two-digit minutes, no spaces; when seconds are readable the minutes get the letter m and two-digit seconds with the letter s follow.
12h33m36s
